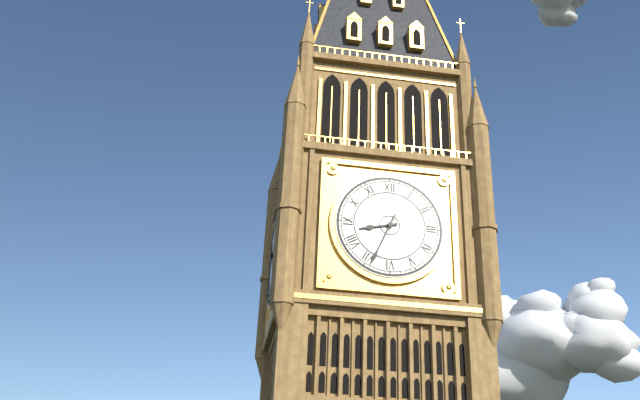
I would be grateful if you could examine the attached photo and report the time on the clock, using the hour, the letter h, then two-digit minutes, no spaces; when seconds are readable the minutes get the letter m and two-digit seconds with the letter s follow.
8h34
